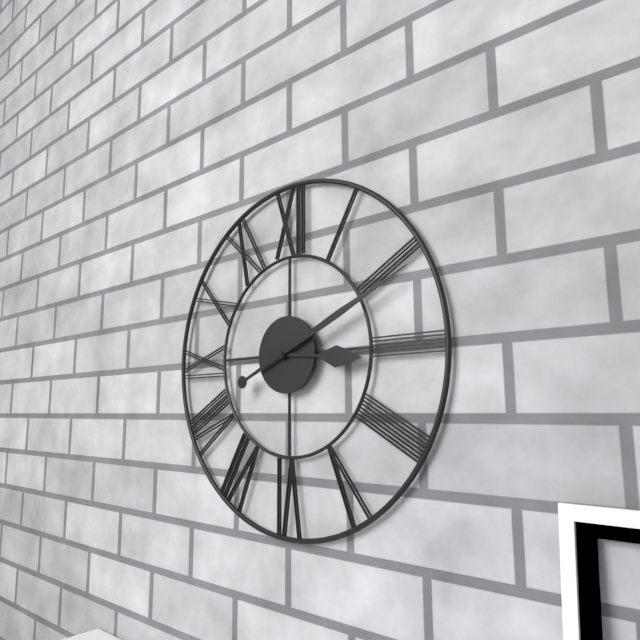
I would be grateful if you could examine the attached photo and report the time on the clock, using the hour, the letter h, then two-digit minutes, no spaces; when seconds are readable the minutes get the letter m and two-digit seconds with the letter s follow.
3h11
